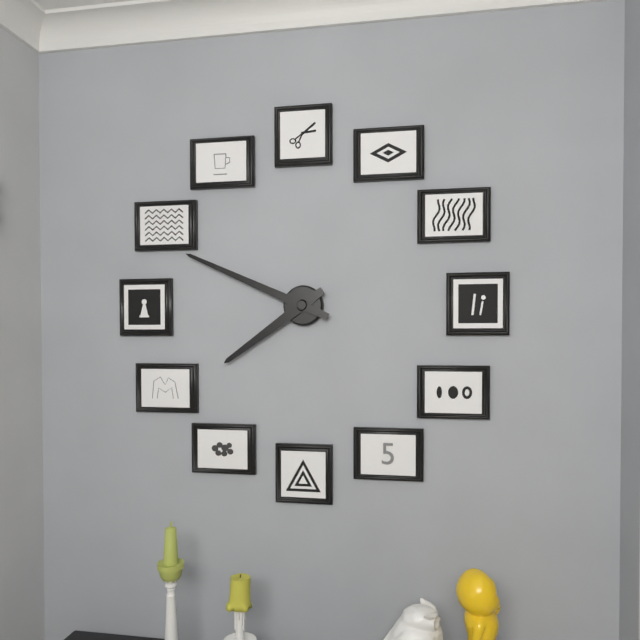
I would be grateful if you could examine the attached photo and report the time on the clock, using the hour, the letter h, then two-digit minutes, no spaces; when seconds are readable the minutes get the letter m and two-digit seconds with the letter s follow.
7h49
